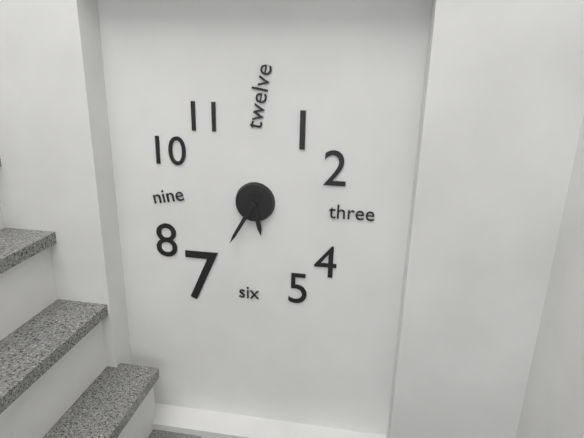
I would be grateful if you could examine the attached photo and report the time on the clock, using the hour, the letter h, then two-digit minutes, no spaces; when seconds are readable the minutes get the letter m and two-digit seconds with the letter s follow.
5h35
